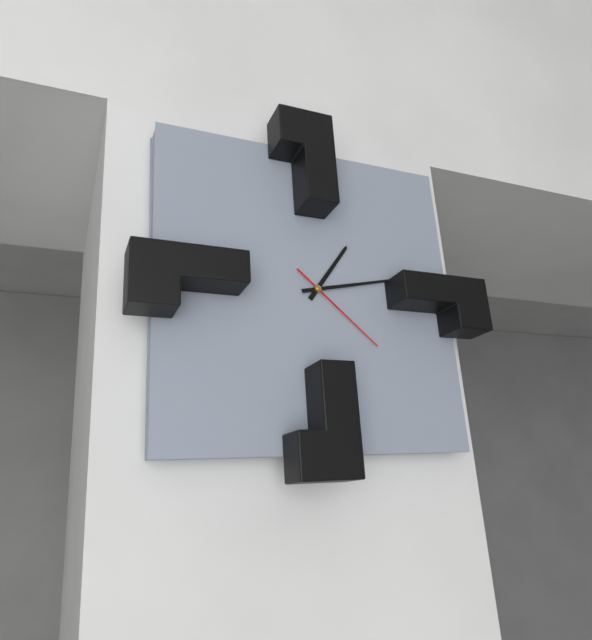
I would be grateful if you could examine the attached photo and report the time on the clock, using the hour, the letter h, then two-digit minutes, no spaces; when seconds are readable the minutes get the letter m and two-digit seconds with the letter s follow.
1h13m22s
